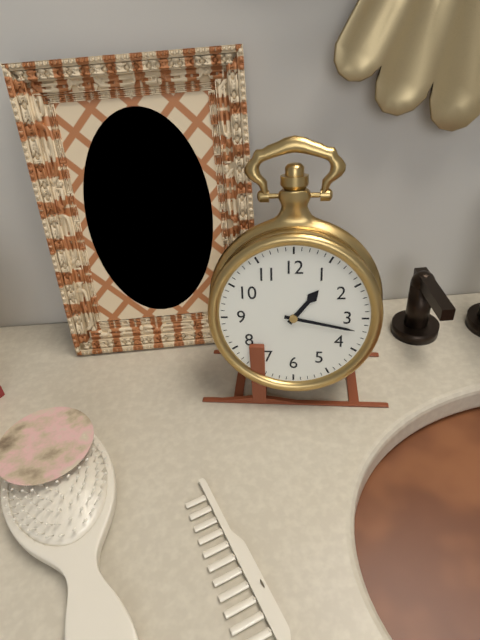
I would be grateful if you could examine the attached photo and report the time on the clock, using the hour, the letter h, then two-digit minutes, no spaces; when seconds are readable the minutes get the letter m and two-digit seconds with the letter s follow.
1h17
